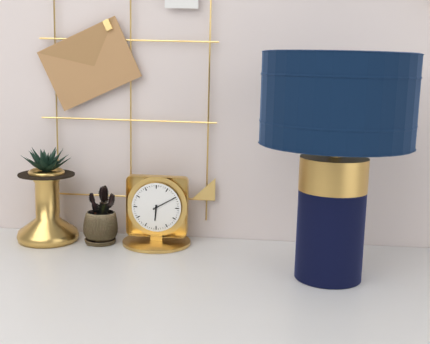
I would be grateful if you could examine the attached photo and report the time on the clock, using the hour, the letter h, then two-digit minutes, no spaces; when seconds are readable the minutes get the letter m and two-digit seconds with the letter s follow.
6h10
